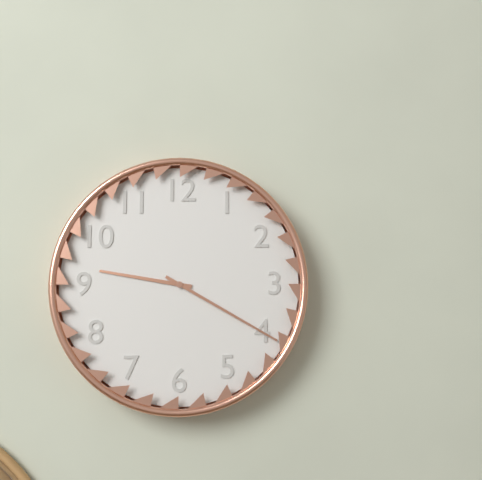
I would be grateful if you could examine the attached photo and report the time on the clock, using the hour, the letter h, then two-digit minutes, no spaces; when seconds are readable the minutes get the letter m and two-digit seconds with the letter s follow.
9h20
